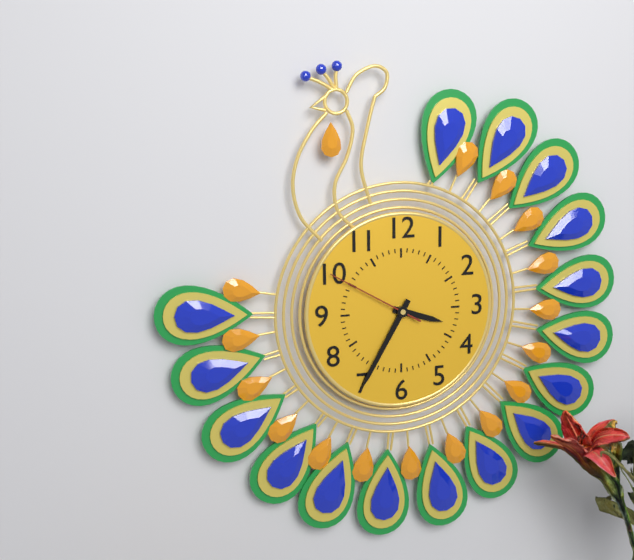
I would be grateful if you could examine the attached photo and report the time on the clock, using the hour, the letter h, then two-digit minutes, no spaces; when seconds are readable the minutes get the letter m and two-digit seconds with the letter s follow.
3h35m50s
